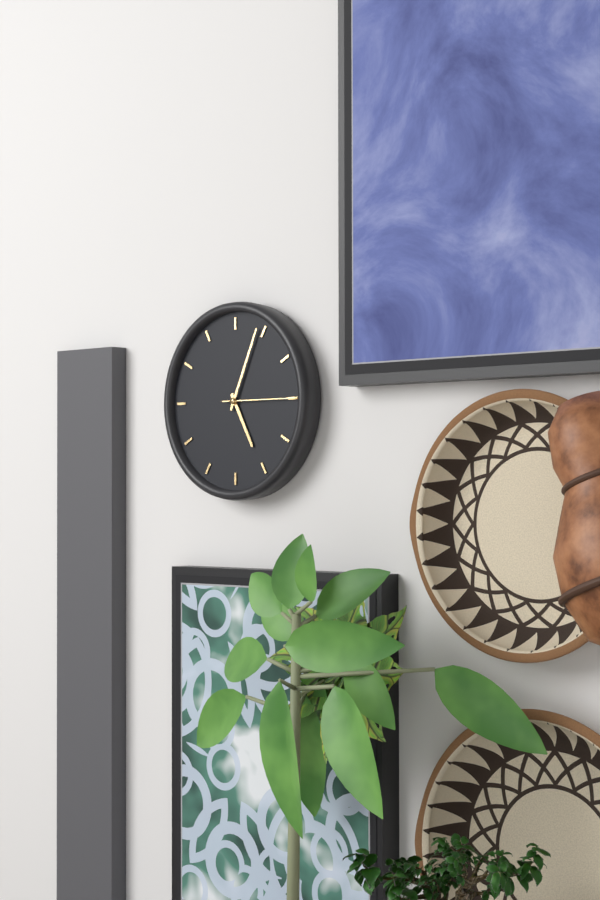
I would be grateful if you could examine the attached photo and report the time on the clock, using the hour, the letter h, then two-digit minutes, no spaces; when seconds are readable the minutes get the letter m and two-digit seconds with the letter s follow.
5h04m15s
